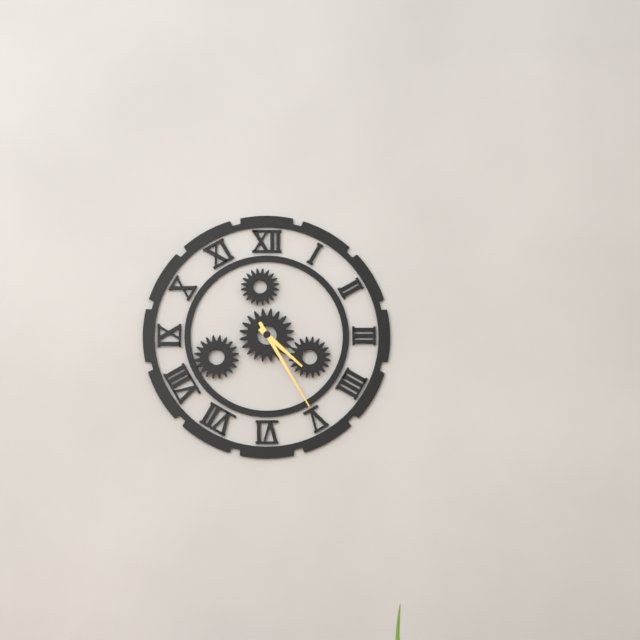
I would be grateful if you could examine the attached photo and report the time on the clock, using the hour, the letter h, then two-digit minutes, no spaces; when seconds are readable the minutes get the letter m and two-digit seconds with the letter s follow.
4h25
